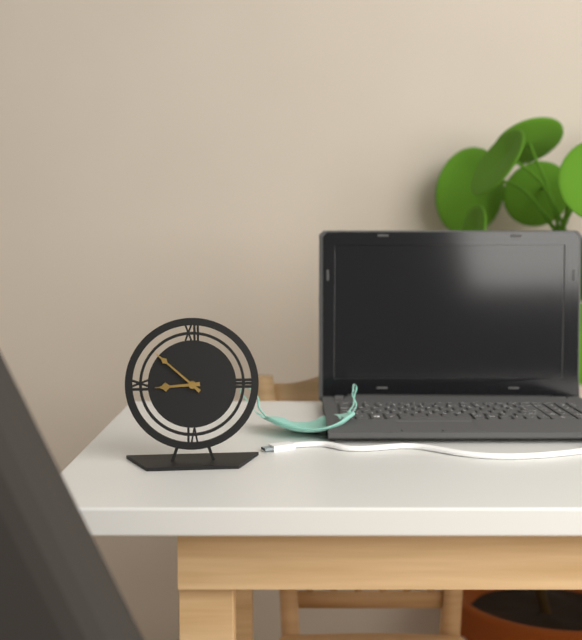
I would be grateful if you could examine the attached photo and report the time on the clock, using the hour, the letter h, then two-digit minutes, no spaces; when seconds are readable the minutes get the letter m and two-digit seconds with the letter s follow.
8h52
